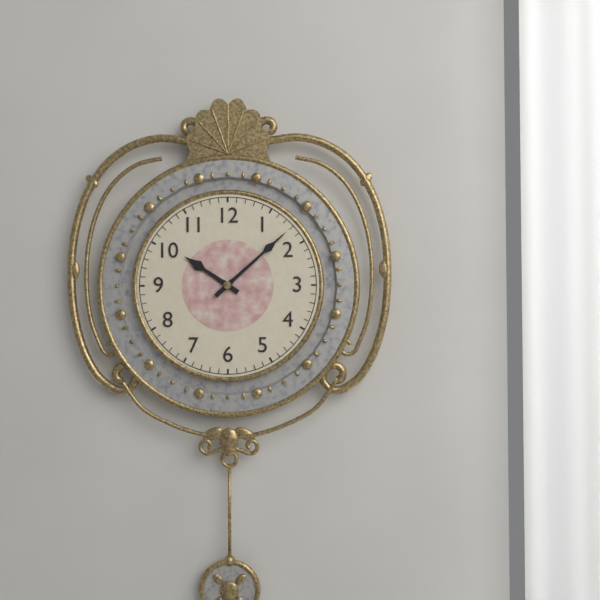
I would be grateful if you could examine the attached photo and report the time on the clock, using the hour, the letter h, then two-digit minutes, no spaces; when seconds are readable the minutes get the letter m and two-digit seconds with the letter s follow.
10h08
